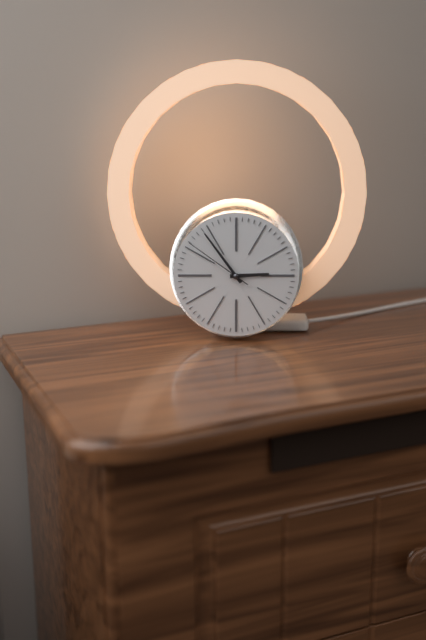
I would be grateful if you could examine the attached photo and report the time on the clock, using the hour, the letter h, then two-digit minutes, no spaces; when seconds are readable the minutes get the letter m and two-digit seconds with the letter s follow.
2h54m51s
